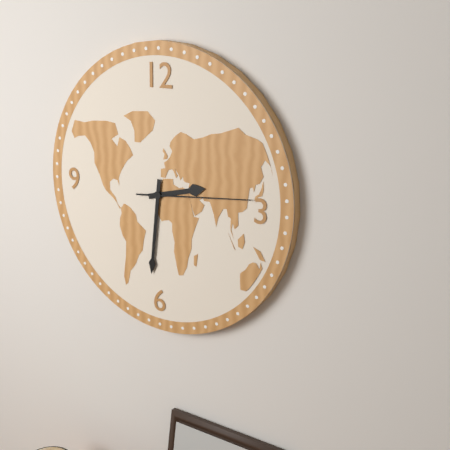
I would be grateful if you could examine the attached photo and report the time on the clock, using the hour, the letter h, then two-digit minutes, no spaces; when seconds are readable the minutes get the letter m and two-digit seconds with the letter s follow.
2h31m14s
